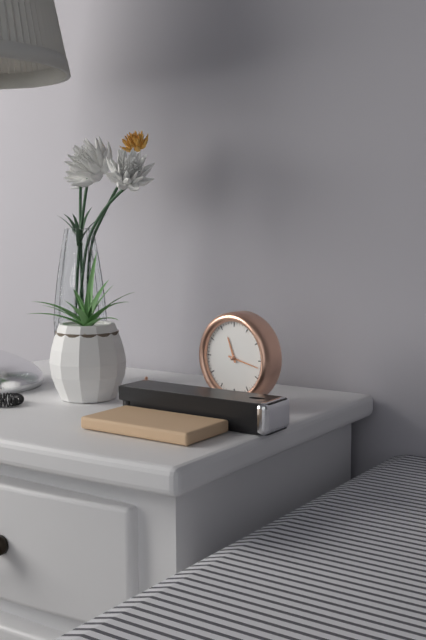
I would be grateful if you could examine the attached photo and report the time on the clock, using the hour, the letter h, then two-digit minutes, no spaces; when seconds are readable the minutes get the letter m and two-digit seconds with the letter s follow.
11h17
